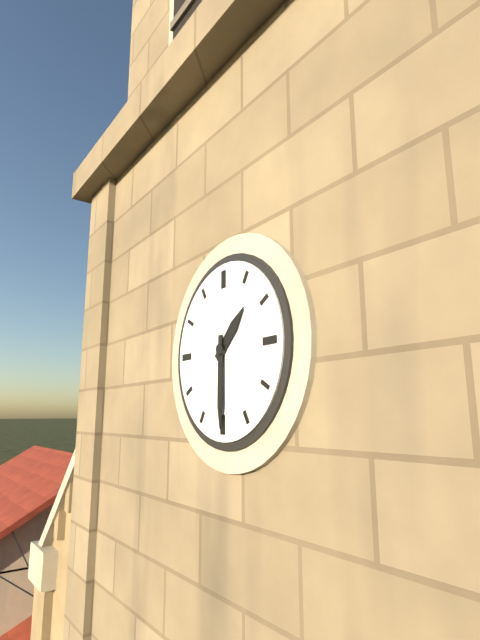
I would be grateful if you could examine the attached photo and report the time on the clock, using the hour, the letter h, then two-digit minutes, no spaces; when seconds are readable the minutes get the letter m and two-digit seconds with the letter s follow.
1h30
